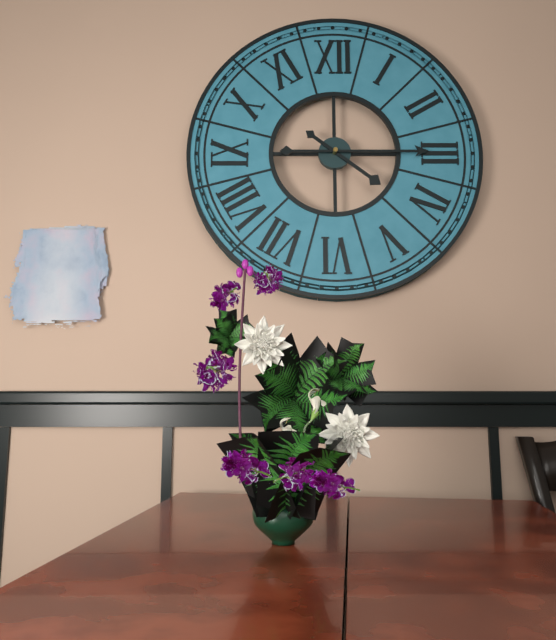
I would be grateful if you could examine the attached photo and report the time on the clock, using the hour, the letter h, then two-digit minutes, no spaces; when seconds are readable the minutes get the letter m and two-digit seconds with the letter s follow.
4h15
